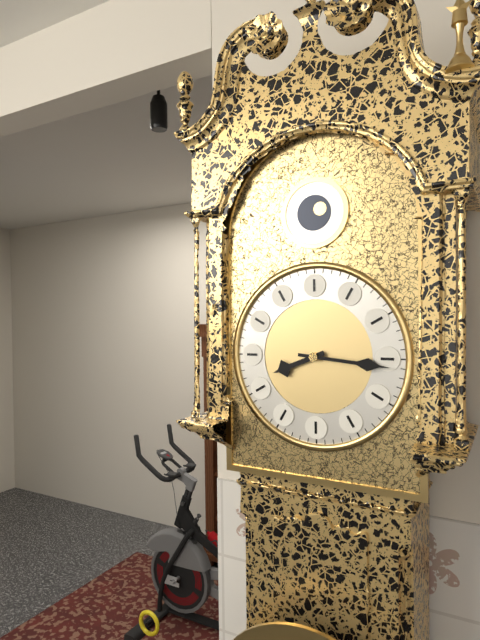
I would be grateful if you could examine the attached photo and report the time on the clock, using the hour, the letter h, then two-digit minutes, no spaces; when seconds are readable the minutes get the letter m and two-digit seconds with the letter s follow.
8h16
